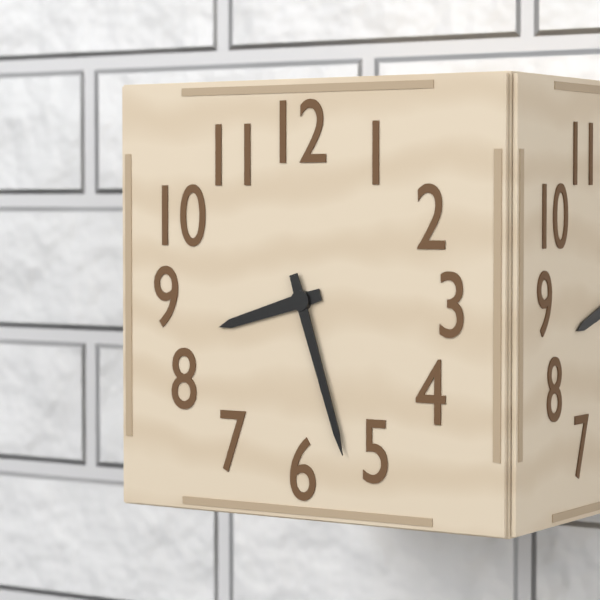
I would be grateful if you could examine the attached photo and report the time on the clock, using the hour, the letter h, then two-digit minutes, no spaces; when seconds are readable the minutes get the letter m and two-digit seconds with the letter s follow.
8h27
